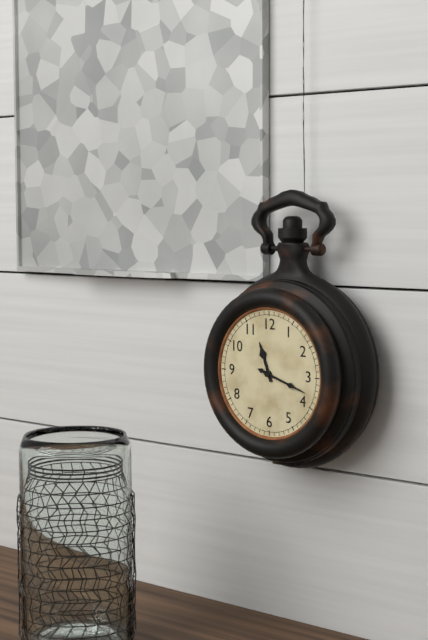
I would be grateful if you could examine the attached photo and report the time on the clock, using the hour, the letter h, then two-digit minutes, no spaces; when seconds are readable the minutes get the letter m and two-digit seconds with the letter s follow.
11h18
